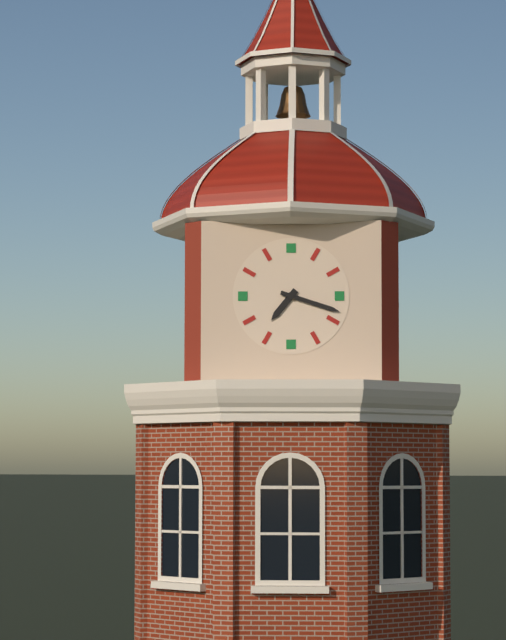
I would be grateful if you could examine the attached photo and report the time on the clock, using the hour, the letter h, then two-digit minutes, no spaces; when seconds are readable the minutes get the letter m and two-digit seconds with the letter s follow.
7h18
